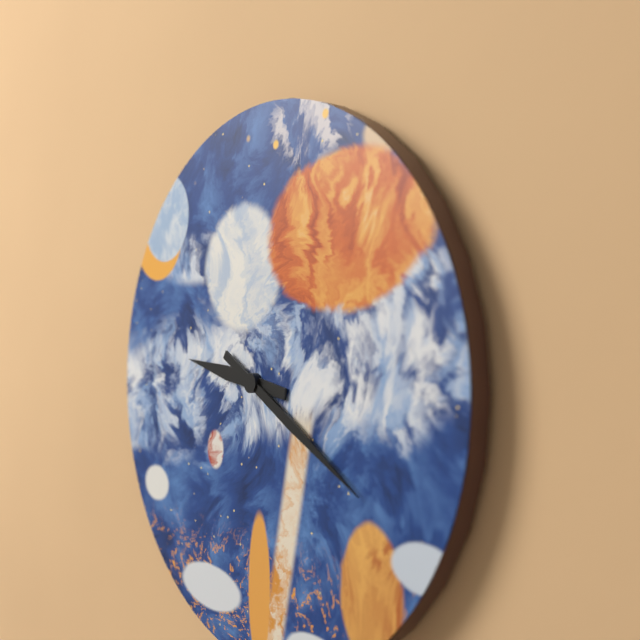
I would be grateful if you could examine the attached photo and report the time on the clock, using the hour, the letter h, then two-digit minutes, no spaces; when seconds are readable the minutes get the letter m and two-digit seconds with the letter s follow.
9h20
